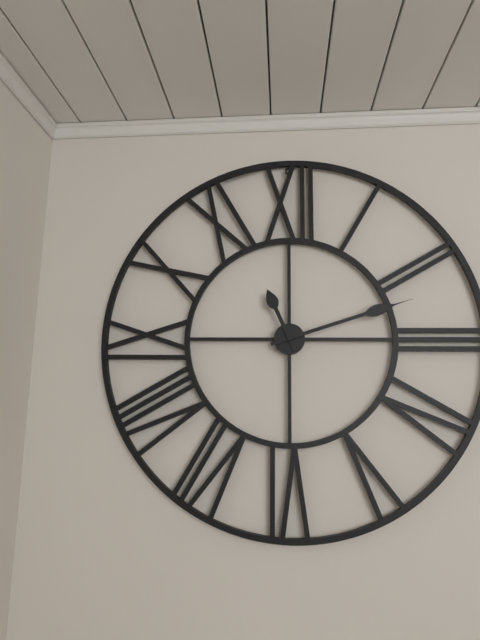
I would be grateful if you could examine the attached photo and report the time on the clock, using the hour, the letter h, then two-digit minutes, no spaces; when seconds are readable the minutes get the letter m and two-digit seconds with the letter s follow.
11h12
